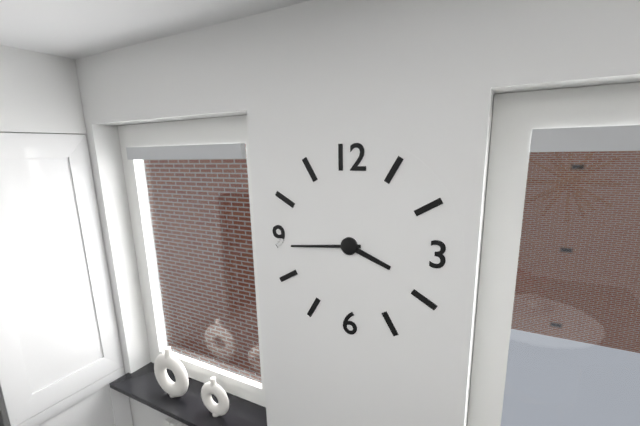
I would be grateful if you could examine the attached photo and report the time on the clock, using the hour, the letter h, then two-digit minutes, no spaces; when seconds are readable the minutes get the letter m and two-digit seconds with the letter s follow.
3h44
